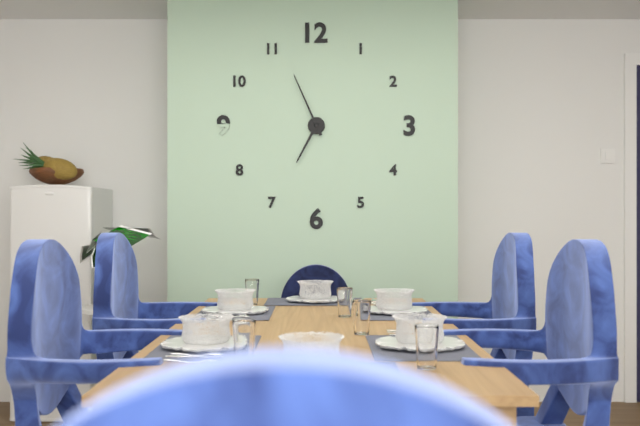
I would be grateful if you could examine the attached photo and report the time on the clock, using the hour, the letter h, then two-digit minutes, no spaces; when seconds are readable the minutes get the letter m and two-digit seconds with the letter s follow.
6h56
